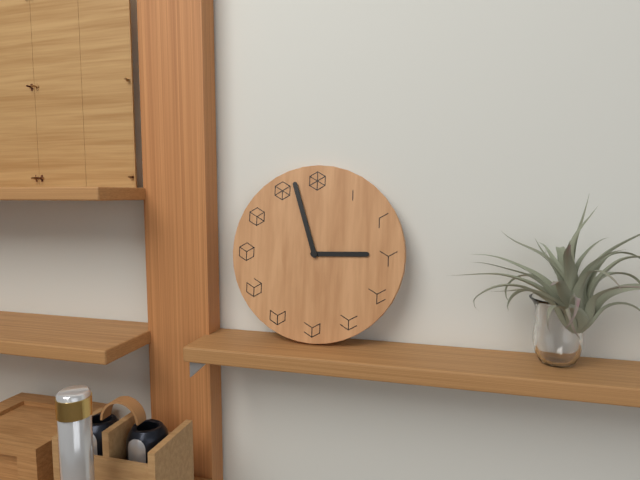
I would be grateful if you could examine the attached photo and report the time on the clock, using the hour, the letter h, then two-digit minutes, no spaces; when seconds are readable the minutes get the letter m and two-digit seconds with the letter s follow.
2h57
